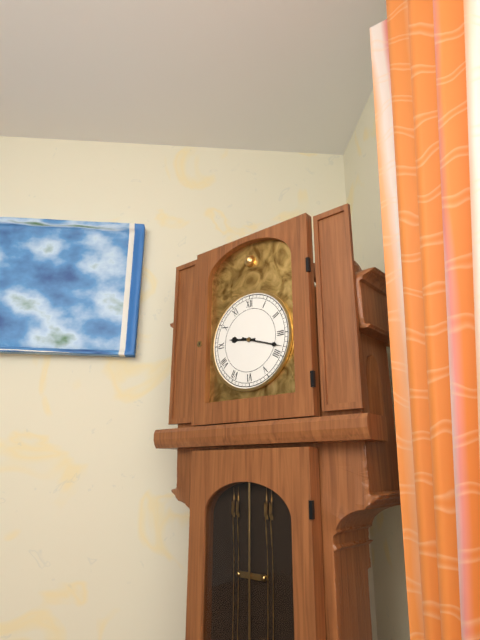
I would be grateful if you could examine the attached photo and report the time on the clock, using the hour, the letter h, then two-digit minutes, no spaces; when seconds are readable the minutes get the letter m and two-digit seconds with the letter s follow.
9h18
